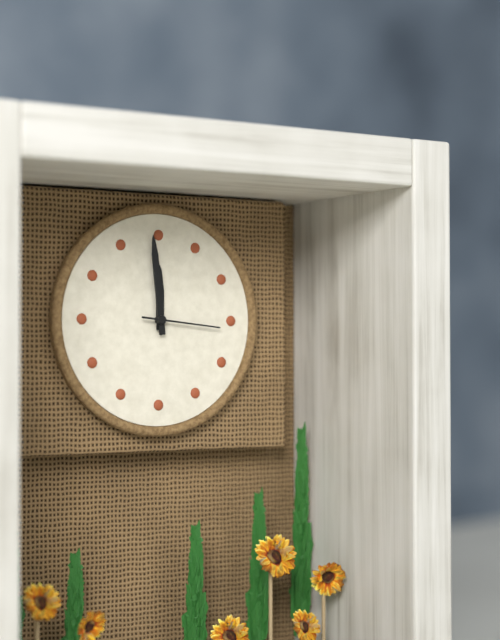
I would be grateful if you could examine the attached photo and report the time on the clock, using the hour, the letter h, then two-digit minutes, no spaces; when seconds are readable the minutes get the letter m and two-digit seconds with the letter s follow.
11h59m16s
